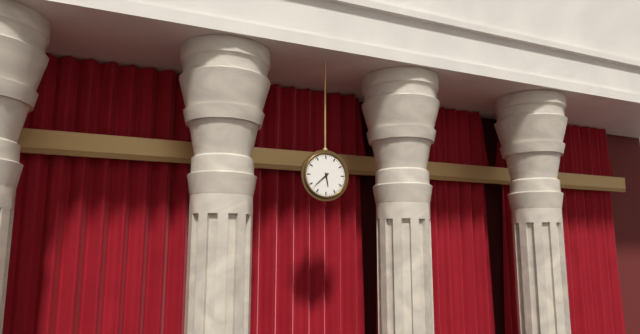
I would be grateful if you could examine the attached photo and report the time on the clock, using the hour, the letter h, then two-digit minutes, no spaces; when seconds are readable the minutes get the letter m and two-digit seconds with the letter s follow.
5h38
